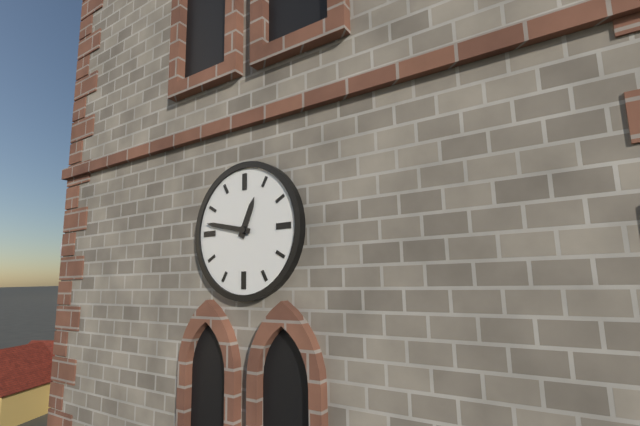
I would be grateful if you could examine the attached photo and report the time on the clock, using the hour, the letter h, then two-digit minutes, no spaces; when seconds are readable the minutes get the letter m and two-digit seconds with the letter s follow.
12h47
